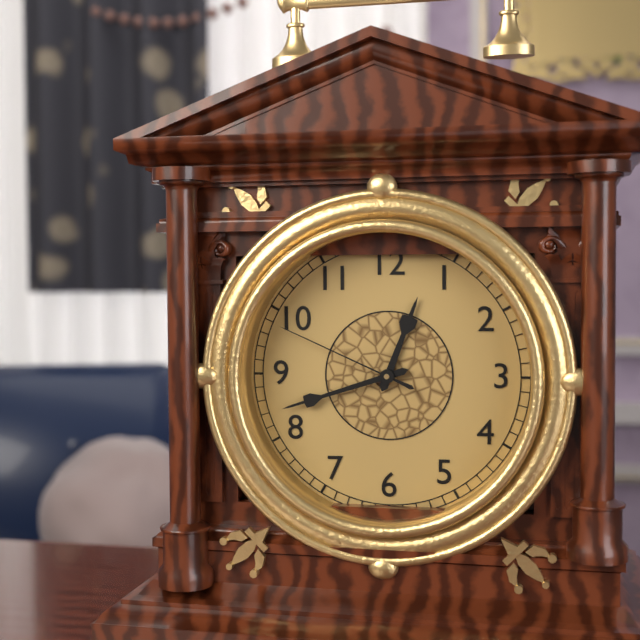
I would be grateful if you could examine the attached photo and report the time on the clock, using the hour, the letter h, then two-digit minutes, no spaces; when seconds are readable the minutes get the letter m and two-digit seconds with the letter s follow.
12h42m49s
